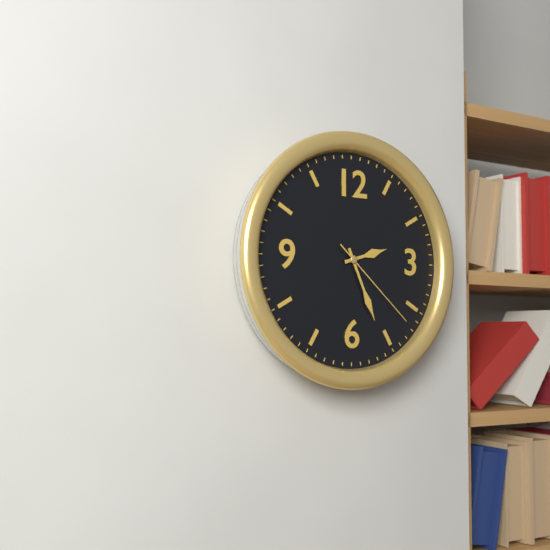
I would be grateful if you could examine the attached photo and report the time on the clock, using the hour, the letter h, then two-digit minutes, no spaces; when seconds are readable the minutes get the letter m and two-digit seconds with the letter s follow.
2h26m22s
